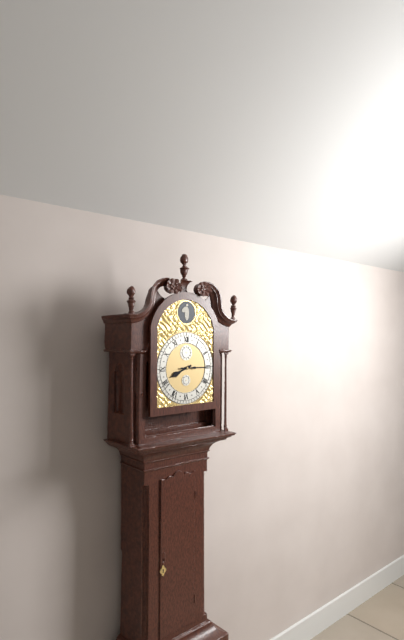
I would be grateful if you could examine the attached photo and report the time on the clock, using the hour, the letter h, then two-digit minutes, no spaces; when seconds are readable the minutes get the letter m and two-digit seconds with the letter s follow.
8h15
